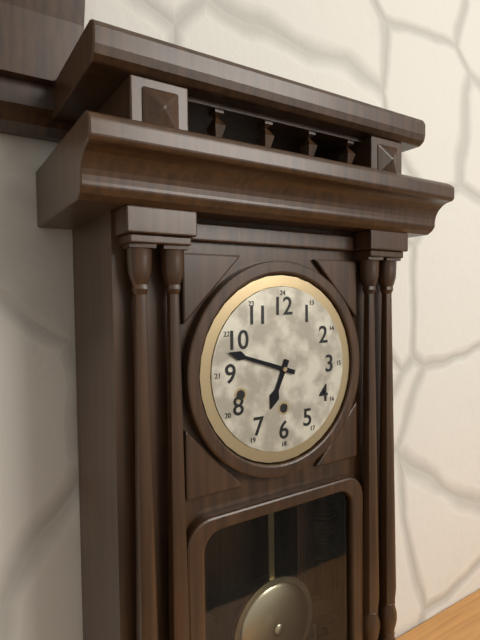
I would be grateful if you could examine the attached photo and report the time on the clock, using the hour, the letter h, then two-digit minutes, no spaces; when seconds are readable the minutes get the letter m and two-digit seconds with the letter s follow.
6h48
